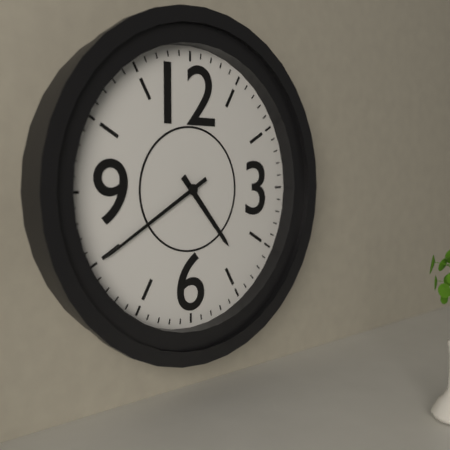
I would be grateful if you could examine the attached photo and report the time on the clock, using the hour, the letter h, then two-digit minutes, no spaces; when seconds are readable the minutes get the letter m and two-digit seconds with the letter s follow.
4h40
